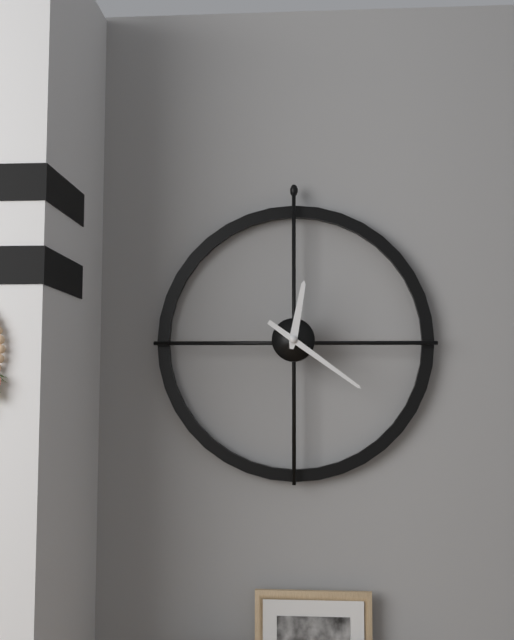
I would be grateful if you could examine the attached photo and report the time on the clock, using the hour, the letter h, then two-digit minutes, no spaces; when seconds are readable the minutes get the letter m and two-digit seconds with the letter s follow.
12h21
